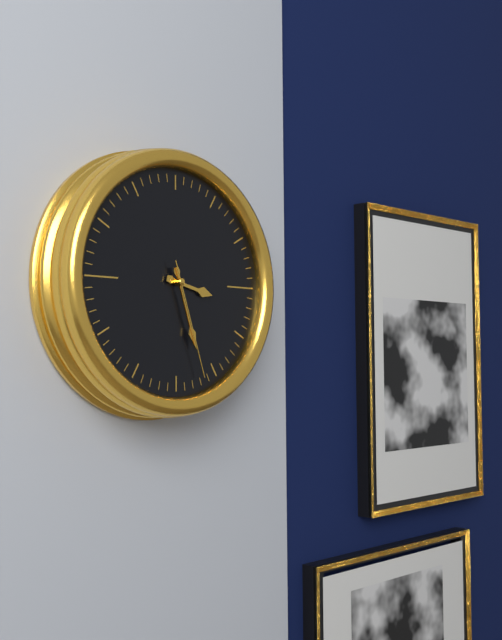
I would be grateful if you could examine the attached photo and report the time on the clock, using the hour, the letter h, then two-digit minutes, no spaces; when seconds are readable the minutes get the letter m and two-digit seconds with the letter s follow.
3h27m27s
